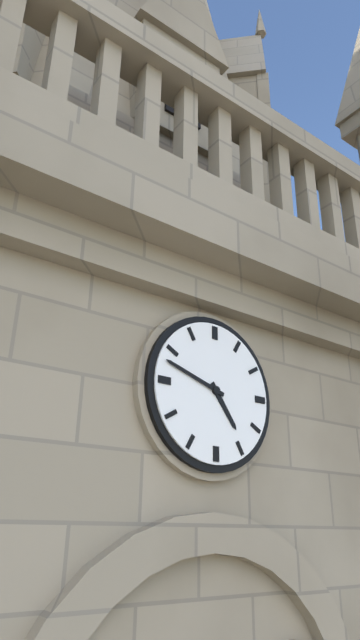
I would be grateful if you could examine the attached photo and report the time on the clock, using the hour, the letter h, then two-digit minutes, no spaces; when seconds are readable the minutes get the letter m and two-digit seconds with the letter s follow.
4h48
